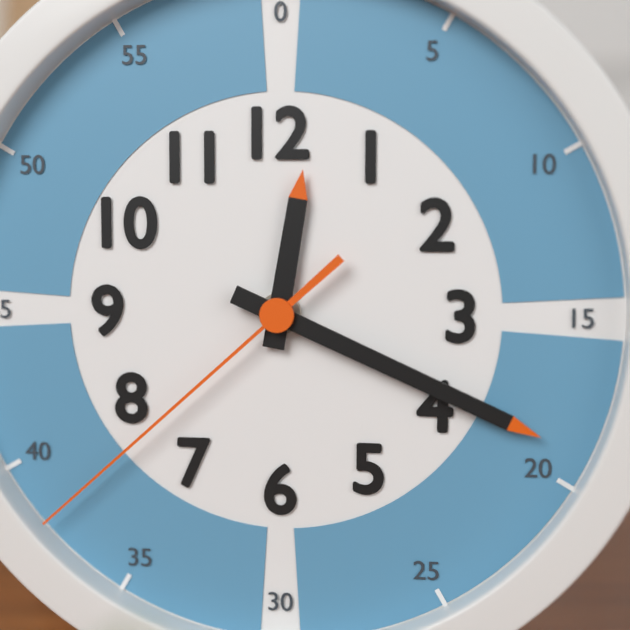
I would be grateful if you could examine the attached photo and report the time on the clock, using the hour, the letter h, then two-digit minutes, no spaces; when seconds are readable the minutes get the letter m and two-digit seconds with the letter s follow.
12h19m38s
